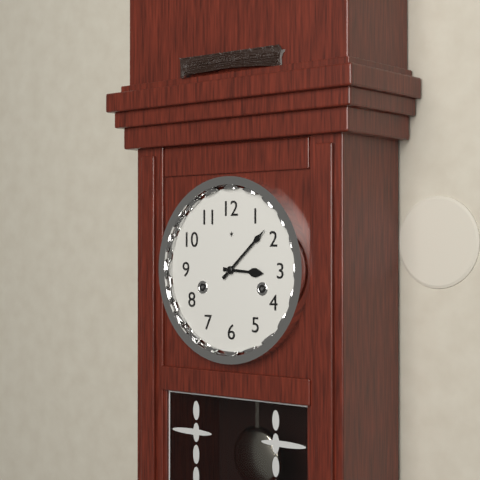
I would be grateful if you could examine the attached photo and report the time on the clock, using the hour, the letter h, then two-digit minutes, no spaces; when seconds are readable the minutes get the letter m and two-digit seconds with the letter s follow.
3h08
